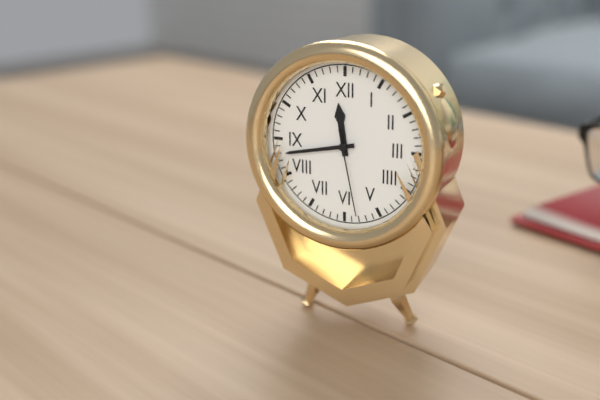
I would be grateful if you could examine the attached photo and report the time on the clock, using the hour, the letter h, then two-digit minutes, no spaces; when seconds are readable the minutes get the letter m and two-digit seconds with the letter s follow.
11h43m28s
